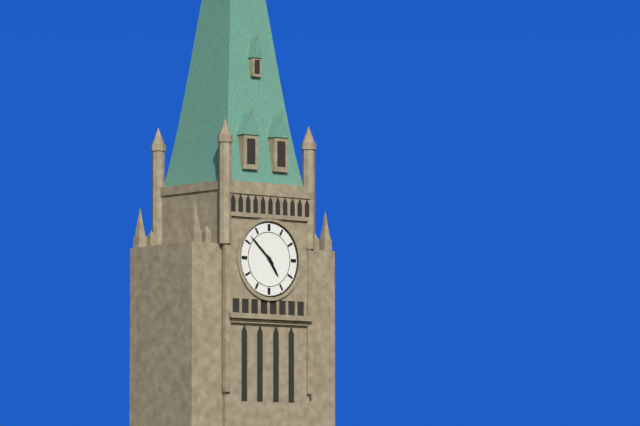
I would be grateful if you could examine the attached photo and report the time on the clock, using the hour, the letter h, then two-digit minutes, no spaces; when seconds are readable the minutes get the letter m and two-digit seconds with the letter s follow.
4h52
